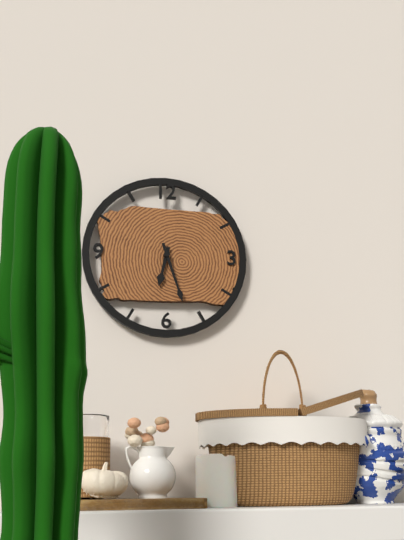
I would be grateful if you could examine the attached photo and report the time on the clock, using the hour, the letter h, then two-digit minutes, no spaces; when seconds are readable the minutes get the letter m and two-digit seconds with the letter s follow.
6h27
